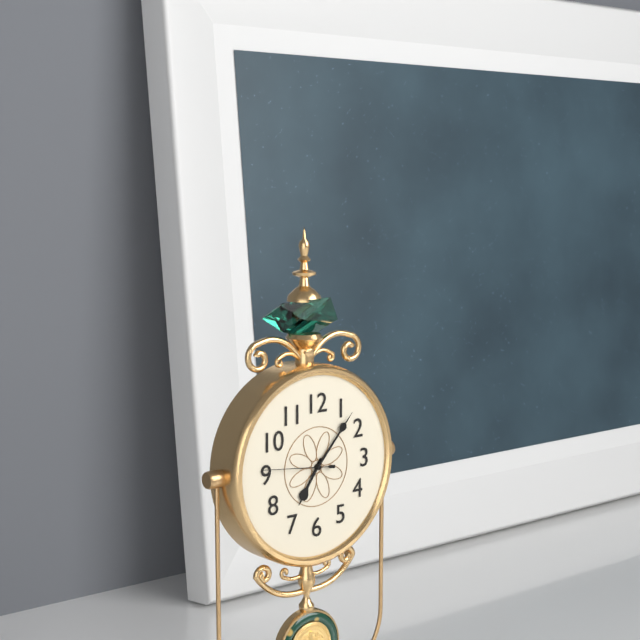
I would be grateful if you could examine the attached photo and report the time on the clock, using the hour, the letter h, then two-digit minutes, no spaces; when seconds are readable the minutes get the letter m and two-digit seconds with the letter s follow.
7h07m46s
